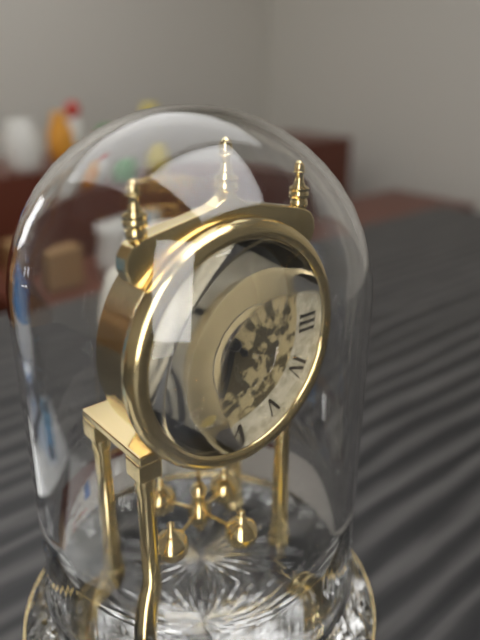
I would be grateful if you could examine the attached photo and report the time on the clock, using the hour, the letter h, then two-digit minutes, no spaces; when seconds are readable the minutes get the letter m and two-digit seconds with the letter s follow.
10h33
